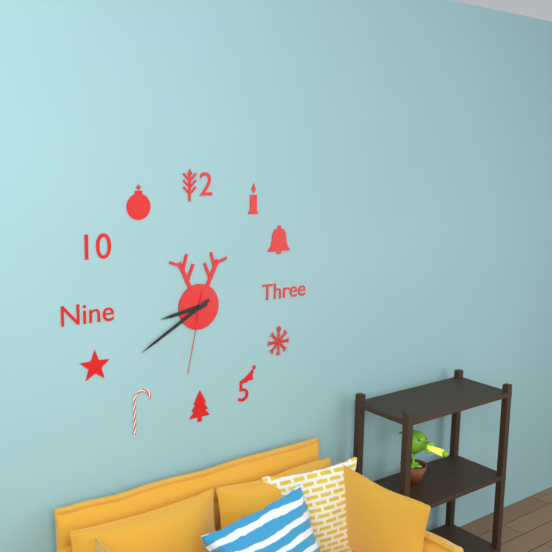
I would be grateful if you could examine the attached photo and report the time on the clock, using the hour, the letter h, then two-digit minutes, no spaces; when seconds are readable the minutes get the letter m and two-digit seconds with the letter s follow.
8h40m32s
